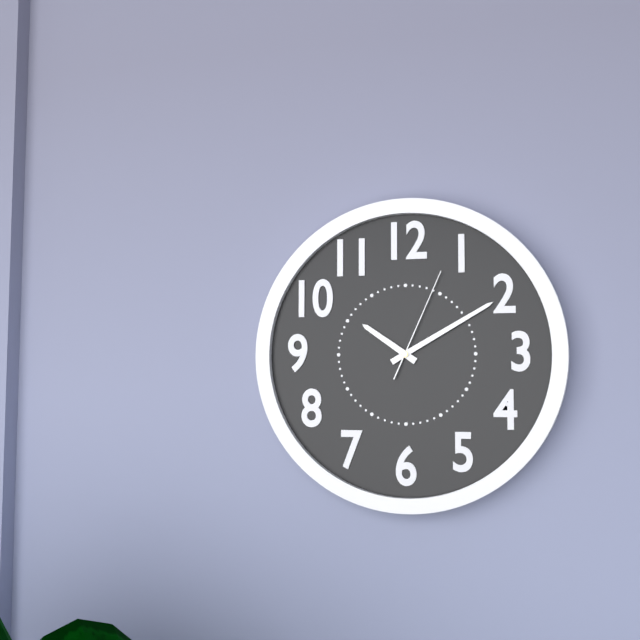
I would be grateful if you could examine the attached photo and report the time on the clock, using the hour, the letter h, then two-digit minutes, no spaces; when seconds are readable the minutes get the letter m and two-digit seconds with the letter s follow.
10h10m04s
